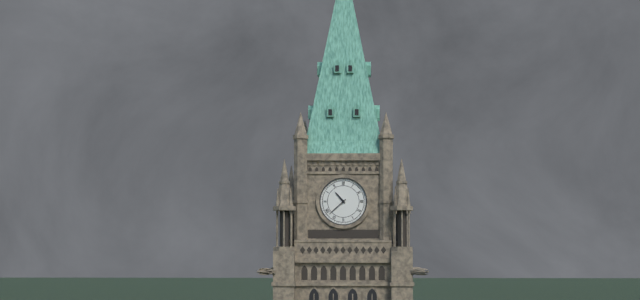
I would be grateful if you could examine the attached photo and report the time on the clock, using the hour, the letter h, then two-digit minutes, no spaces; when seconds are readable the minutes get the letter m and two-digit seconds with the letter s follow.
10h38
